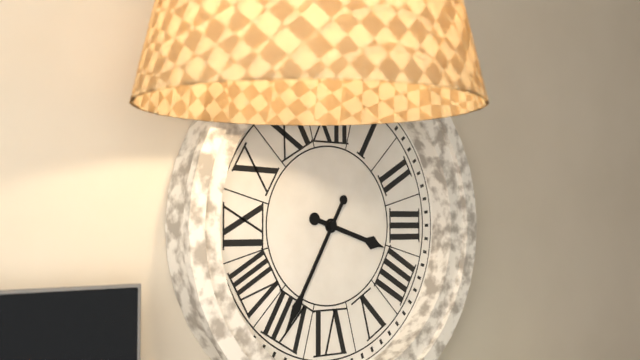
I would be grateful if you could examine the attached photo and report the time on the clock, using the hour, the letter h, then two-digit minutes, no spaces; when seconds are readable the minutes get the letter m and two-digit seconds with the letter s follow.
3h35
